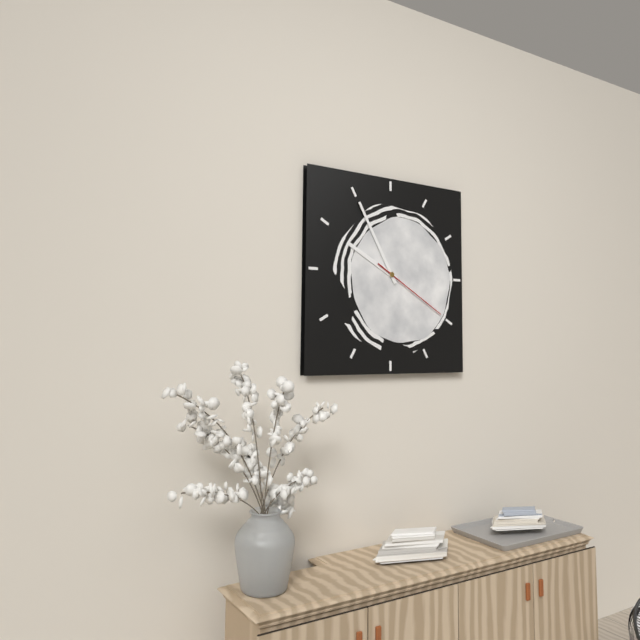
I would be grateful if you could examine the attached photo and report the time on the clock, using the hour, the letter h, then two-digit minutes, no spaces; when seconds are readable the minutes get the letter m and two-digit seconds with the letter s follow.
9h55m20s
